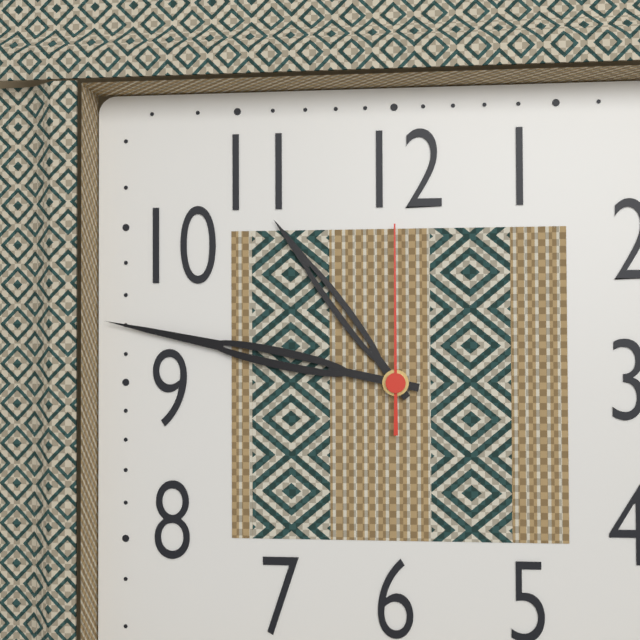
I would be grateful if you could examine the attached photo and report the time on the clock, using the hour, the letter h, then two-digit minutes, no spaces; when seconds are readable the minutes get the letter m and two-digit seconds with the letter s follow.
10h47m00s
